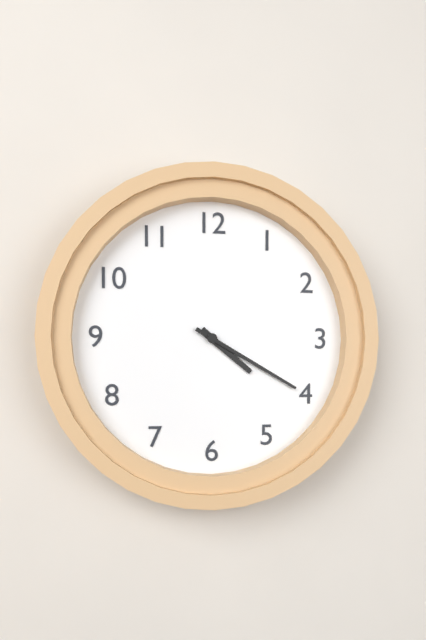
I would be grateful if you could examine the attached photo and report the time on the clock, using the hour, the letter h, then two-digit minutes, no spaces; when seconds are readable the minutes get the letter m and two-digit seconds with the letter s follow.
4h20
